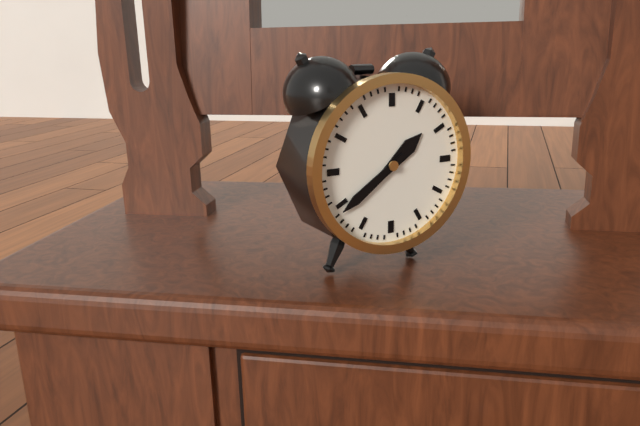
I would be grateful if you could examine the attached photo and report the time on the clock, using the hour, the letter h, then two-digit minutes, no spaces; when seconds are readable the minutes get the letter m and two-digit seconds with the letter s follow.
1h39
